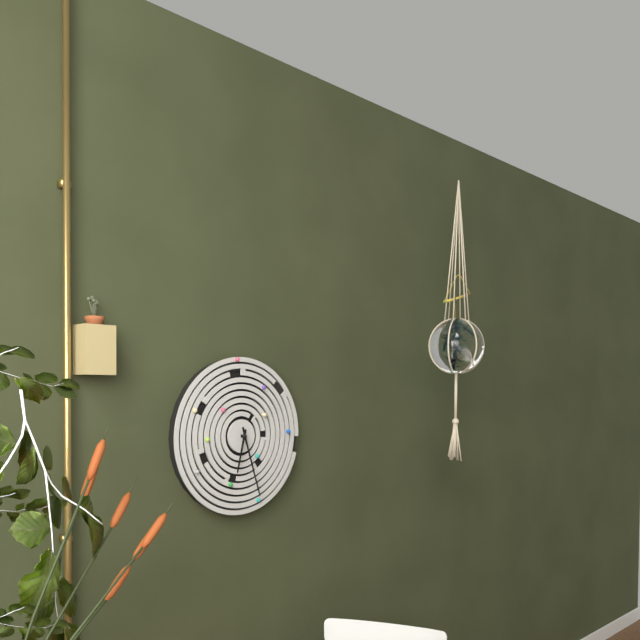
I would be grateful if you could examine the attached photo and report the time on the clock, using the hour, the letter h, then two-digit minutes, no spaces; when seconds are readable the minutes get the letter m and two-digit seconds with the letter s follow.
6h27
